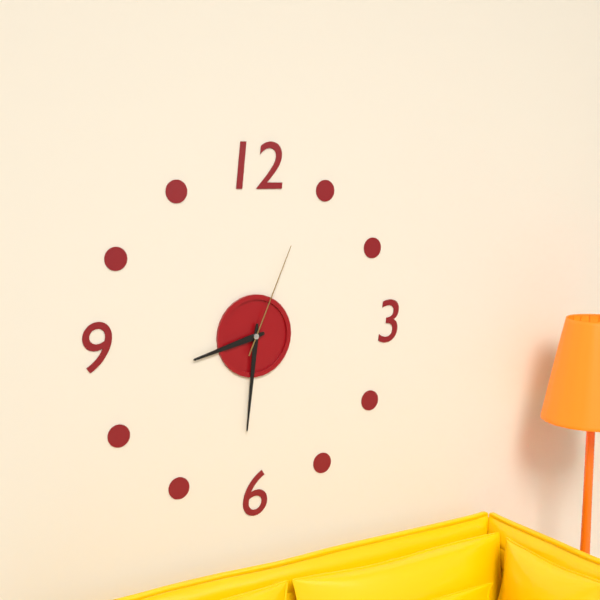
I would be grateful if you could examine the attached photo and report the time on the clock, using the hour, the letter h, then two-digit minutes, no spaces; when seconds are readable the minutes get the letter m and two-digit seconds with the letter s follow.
8h31m04s
